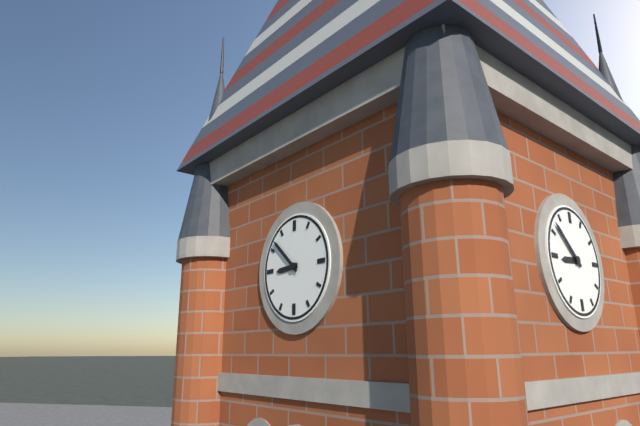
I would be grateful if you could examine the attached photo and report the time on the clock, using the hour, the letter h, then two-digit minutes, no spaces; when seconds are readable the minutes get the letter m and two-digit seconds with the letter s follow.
8h52
